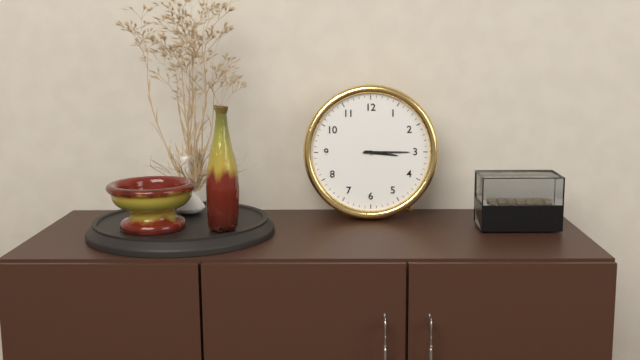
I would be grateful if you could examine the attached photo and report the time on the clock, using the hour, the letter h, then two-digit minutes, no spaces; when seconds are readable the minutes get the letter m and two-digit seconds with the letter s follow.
3h15
